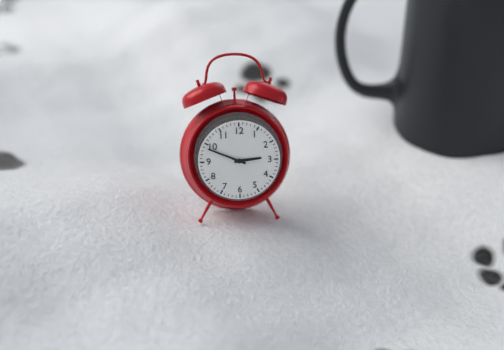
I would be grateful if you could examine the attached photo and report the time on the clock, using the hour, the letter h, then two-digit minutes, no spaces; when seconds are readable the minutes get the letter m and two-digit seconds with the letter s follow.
2h49
